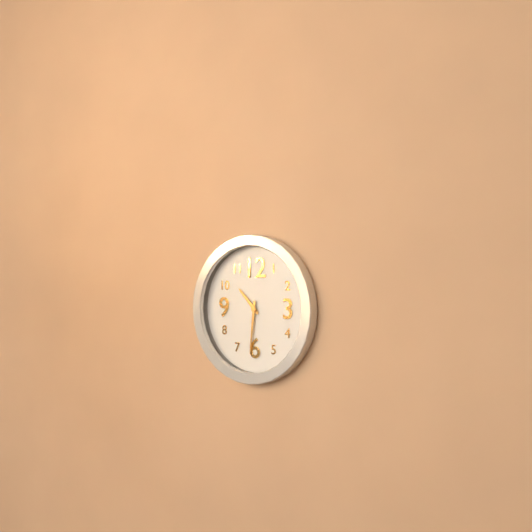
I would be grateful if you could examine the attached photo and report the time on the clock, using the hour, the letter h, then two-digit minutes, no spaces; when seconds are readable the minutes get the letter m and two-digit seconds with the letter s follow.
10h31
